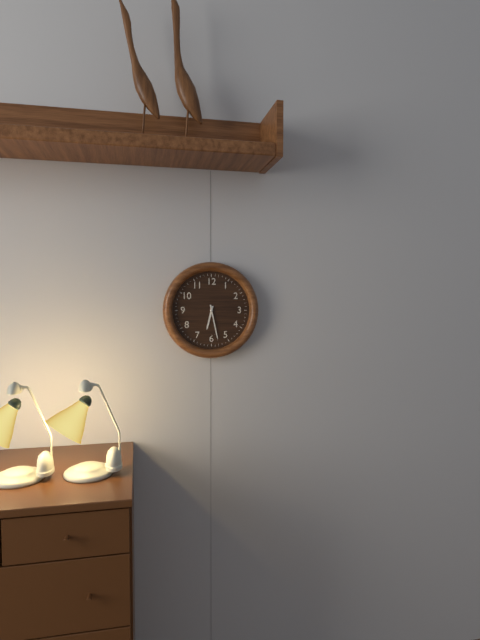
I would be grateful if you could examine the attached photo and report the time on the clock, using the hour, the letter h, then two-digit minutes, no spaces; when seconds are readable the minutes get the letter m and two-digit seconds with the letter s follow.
6h28
